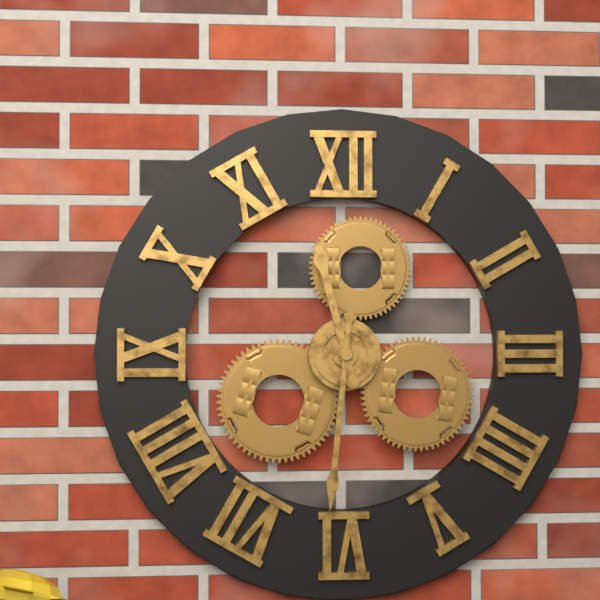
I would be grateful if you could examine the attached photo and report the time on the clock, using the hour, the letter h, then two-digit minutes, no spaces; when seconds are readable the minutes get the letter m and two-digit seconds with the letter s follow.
11h31
